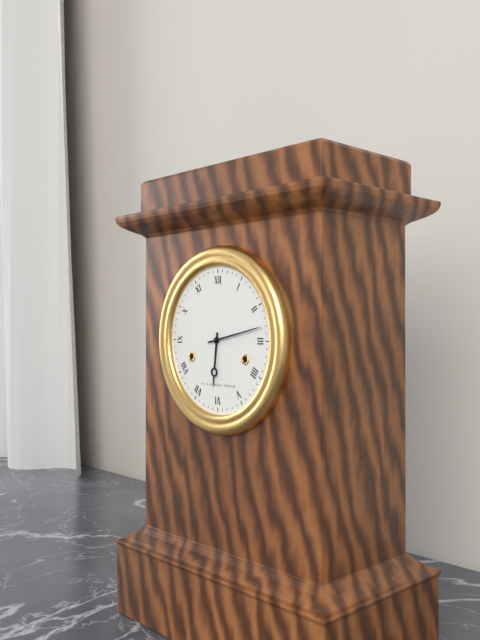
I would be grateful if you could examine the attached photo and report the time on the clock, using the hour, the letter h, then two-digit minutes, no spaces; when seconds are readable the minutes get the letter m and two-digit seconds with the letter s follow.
6h13
